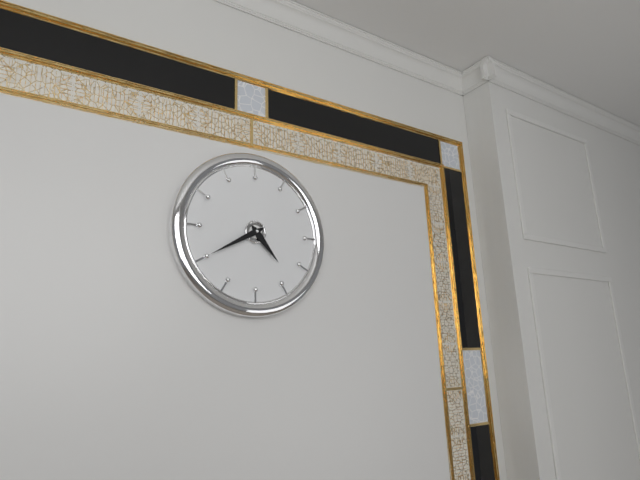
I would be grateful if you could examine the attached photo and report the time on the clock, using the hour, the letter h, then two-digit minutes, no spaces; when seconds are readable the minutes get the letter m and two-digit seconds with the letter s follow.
4h40
